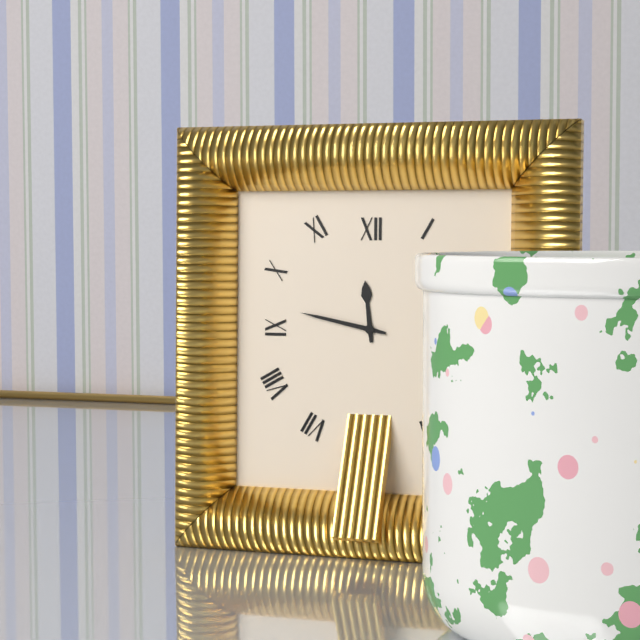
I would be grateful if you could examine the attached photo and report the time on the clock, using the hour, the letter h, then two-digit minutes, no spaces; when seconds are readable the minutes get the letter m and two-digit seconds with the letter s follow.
11h47
